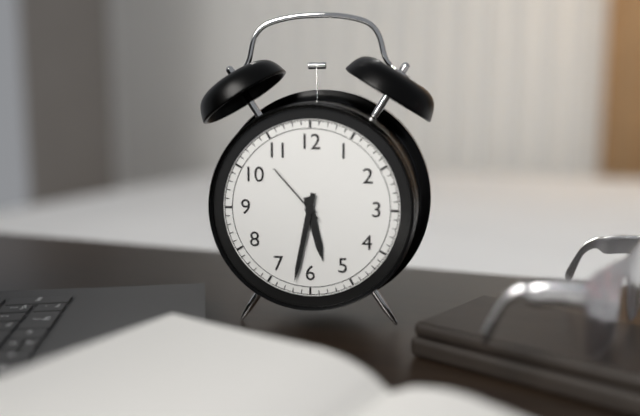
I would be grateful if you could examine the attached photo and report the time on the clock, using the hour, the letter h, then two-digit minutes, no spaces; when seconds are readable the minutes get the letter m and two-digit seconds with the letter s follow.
5h32m53s
